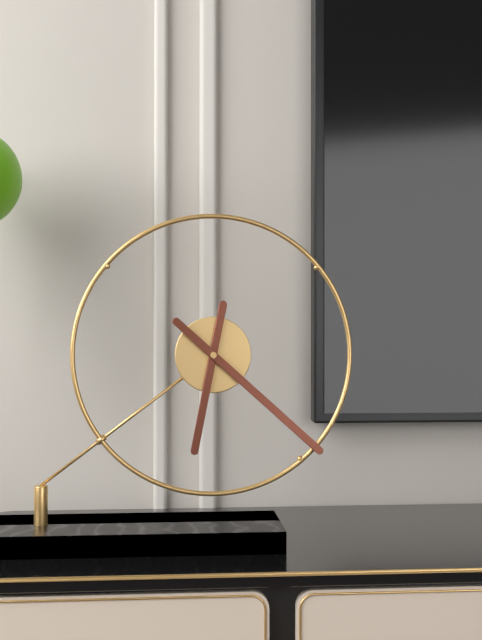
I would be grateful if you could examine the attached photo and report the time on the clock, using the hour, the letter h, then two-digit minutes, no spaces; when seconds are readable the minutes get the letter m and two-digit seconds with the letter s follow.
6h22
